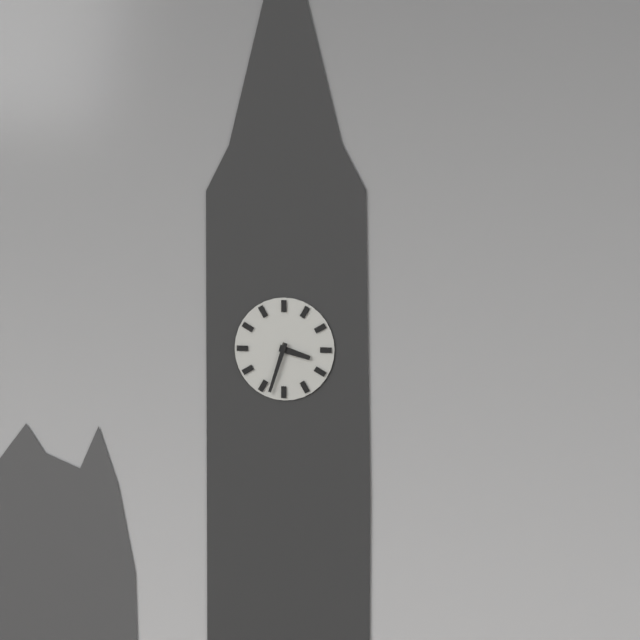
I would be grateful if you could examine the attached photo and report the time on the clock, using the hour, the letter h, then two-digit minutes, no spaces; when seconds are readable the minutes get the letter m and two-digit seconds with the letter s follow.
3h33
